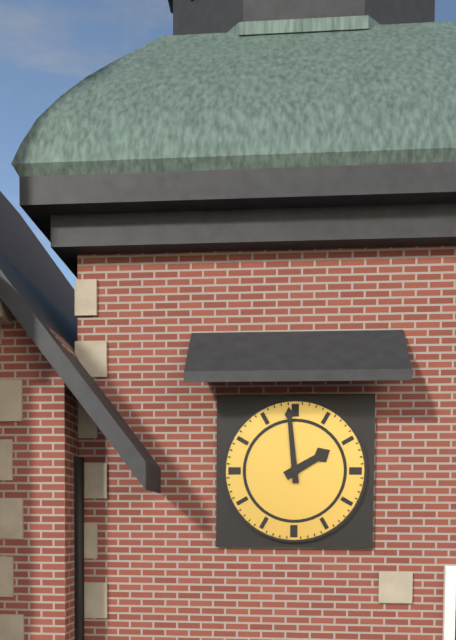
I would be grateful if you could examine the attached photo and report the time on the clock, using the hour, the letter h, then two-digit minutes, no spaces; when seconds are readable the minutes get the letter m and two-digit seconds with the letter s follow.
1h59
